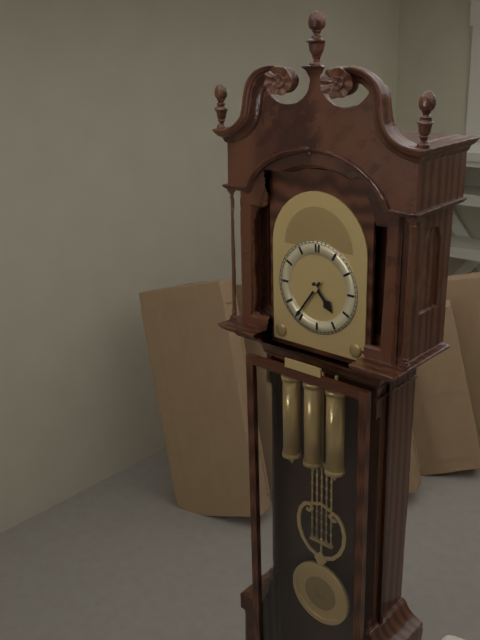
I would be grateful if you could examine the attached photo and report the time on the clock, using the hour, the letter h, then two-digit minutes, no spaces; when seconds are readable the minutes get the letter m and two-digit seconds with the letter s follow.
4h36
